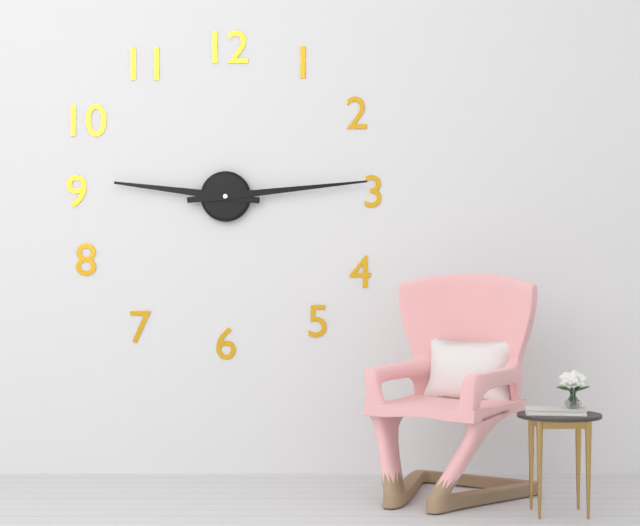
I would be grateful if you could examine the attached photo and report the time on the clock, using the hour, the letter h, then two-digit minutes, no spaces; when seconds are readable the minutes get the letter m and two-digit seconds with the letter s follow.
9h14
